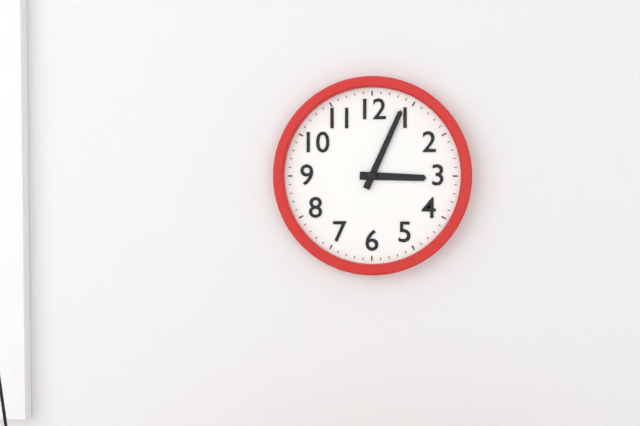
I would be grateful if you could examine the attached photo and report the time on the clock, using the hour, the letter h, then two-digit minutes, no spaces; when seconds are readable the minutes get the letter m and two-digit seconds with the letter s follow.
3h04
